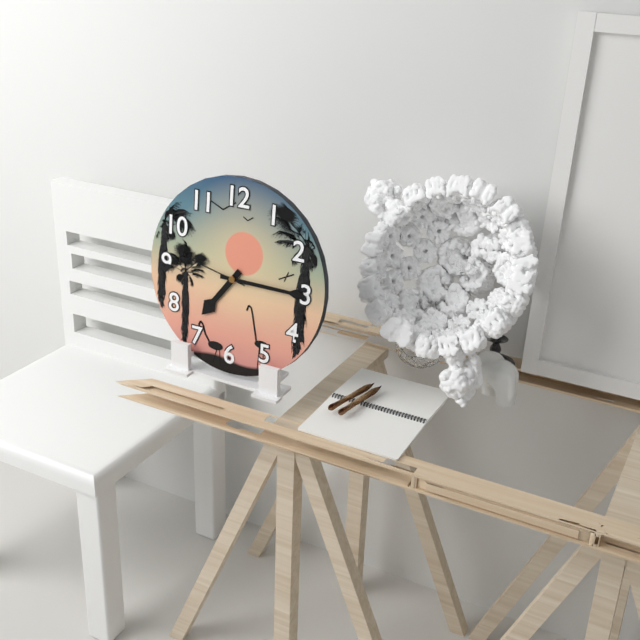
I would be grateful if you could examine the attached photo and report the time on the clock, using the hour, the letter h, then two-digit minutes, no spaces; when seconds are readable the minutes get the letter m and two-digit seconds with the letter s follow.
7h15m47s
